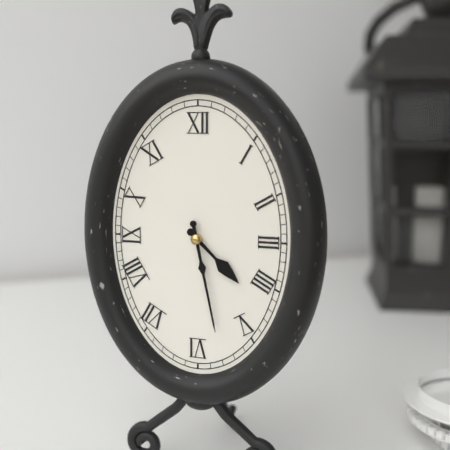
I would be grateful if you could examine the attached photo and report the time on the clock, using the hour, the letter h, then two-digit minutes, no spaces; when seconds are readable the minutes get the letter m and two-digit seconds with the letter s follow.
4h28
